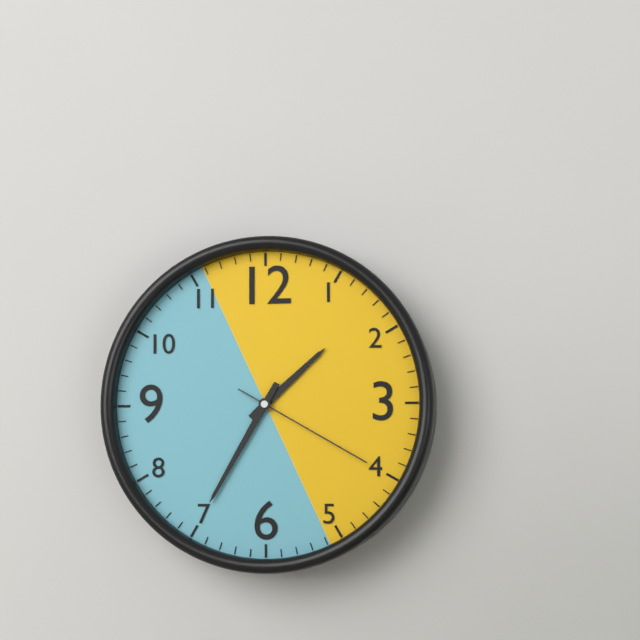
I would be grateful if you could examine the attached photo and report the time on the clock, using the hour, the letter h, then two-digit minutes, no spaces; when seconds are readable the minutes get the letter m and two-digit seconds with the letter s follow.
1h35m20s
